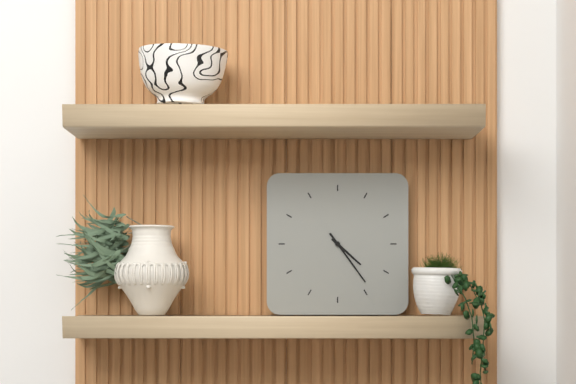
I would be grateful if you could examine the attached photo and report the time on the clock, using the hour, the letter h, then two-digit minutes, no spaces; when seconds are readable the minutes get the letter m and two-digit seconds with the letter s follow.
4h24
